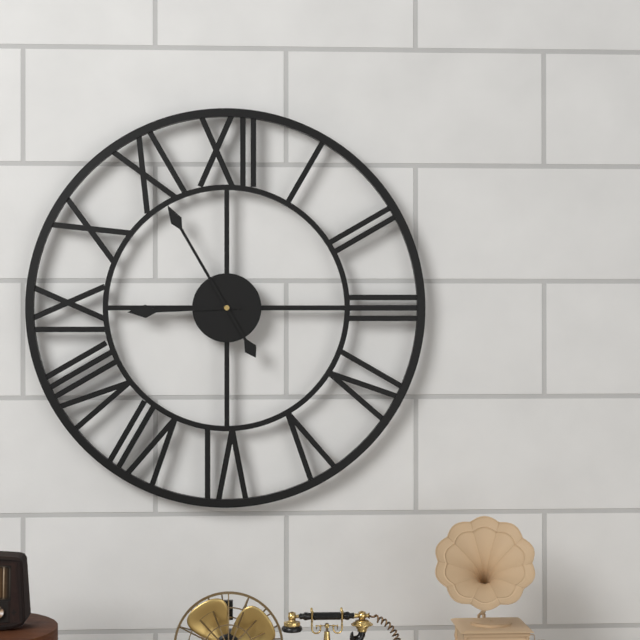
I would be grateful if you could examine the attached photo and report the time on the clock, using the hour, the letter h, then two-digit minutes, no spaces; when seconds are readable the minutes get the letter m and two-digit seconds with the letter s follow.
8h55
